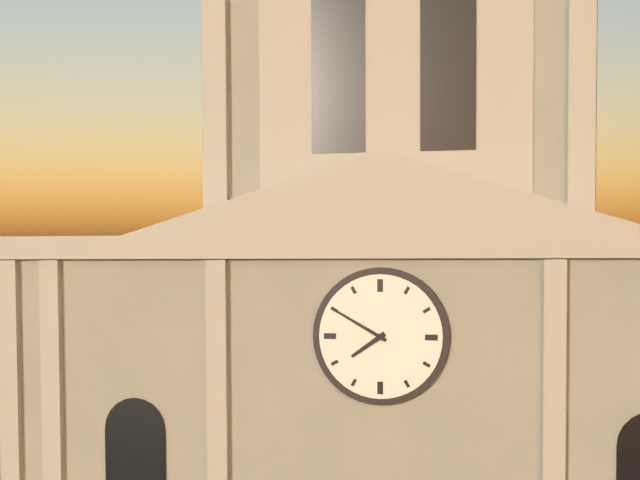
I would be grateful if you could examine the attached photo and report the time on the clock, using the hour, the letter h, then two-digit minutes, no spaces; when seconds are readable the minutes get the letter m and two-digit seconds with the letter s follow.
7h50
